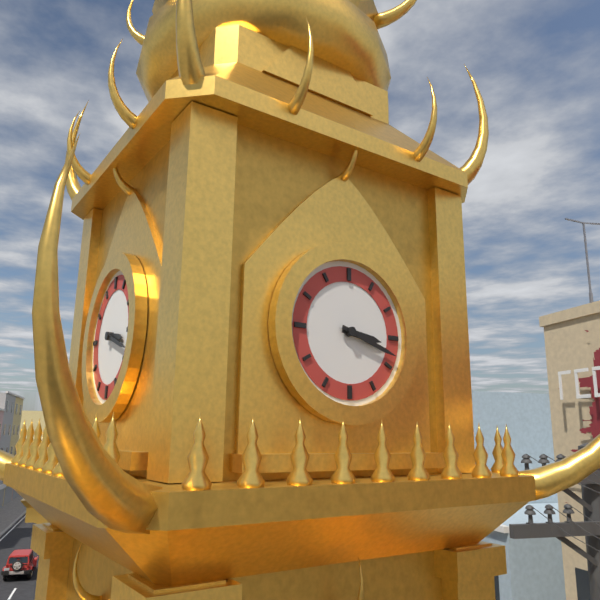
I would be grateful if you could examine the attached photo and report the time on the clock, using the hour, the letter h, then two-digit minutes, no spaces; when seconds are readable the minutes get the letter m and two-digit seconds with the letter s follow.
3h18
